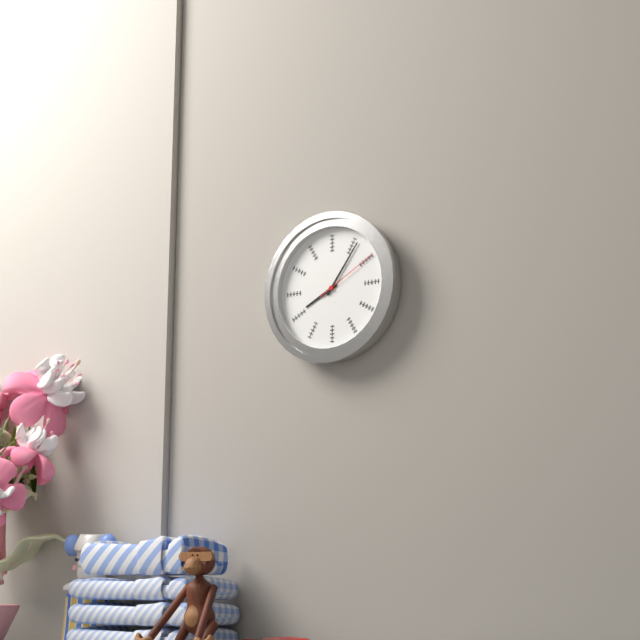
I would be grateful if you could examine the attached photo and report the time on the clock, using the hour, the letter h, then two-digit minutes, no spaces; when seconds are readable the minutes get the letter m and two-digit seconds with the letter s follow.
8h06m10s
